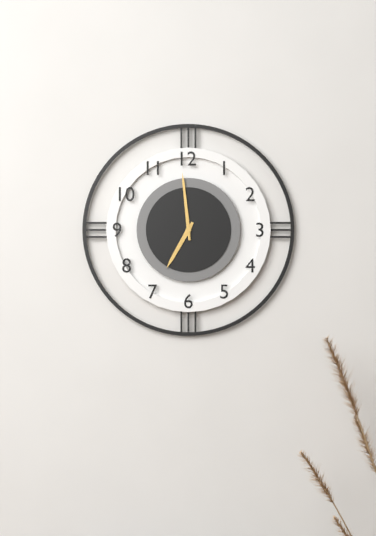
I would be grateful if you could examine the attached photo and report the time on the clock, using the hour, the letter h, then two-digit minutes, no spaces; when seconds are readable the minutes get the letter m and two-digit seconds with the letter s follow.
6h59
